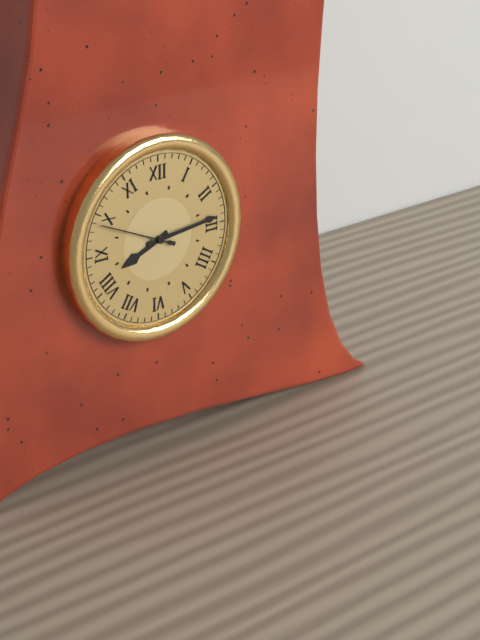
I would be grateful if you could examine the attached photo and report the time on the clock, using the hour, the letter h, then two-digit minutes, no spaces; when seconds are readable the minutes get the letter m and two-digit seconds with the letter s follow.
8h14m49s
